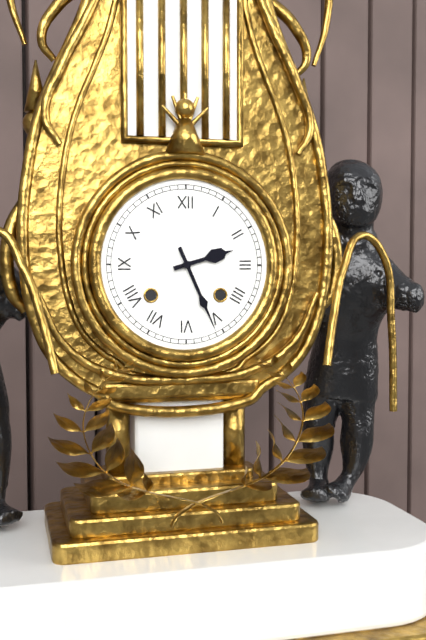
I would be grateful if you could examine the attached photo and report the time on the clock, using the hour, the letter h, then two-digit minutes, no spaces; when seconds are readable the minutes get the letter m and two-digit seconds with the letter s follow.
2h26
